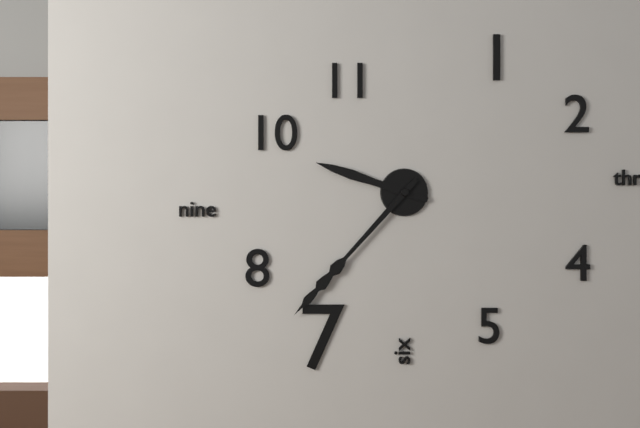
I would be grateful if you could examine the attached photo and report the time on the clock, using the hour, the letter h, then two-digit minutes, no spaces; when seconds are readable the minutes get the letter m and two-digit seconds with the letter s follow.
9h37
